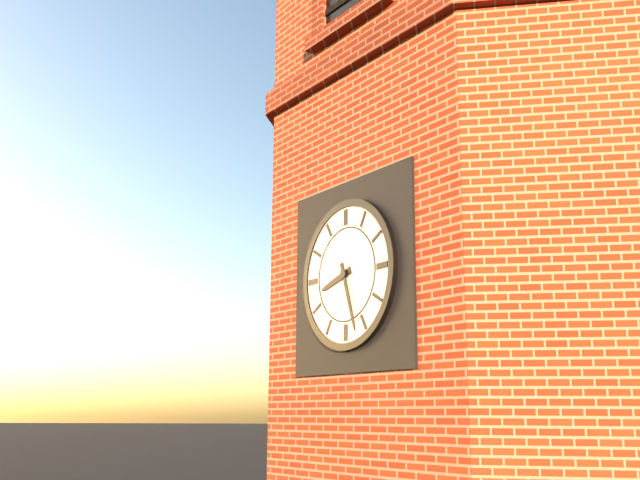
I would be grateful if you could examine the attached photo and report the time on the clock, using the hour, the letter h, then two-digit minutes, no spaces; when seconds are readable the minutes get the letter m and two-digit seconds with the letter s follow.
8h27
